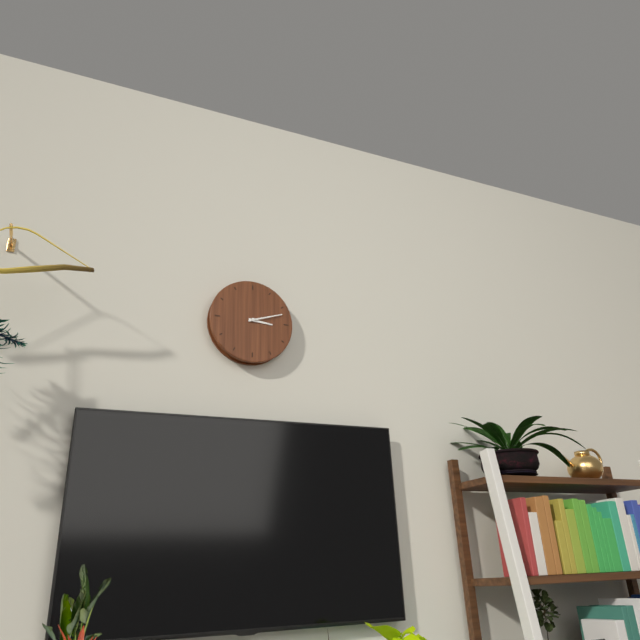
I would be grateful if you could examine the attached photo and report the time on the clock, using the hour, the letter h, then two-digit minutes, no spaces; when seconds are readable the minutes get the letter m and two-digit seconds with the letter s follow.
3h12
